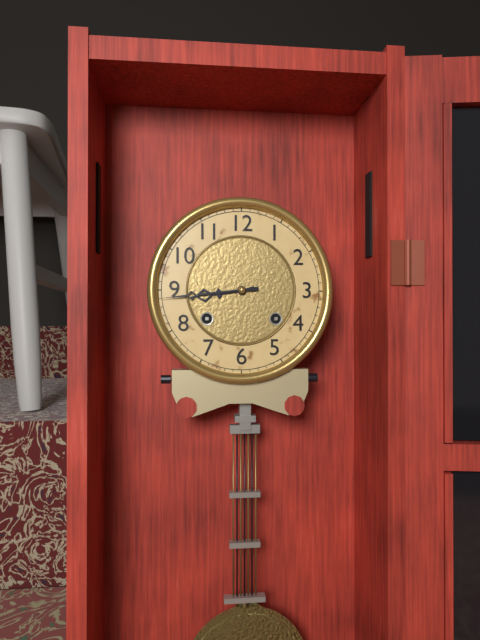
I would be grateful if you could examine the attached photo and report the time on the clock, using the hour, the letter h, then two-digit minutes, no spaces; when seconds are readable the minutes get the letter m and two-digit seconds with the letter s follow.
8h44
